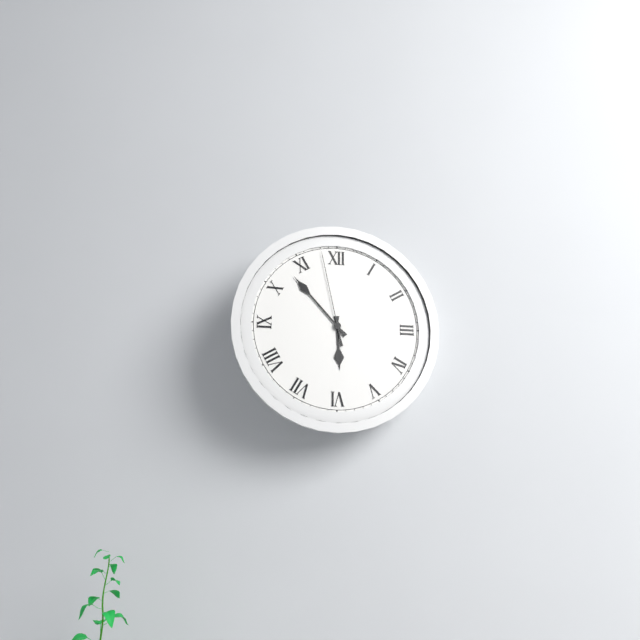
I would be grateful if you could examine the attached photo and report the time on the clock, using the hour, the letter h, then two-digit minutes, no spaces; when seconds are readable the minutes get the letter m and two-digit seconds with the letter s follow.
5h53m58s
